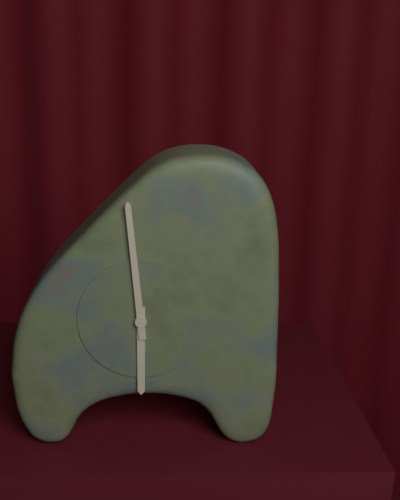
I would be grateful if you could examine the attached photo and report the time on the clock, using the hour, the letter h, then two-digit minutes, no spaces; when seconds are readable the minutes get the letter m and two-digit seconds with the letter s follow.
5h59
